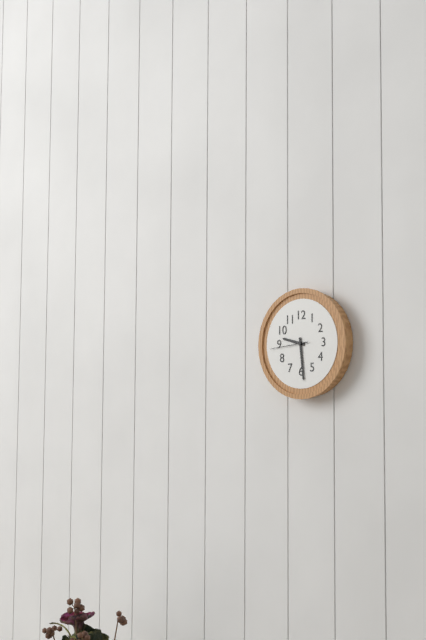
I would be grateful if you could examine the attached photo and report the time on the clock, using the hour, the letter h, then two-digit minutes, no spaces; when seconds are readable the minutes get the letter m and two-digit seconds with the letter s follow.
9h29
